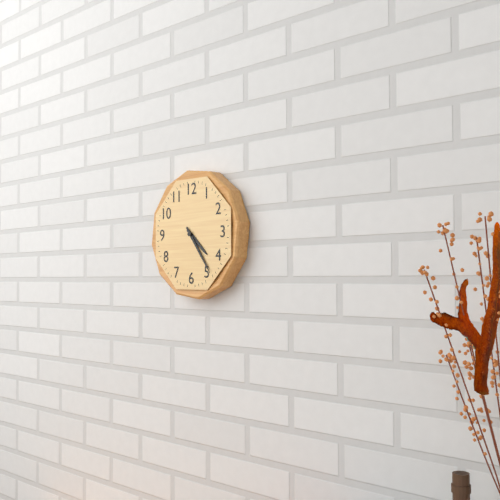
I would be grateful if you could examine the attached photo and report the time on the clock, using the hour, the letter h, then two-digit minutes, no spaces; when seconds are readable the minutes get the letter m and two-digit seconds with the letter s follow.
4h24
